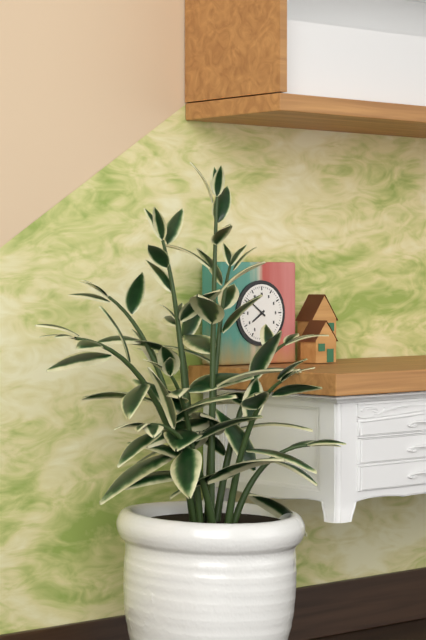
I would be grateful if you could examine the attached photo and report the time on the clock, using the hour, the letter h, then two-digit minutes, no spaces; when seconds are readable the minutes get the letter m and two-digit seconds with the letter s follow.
7h51
